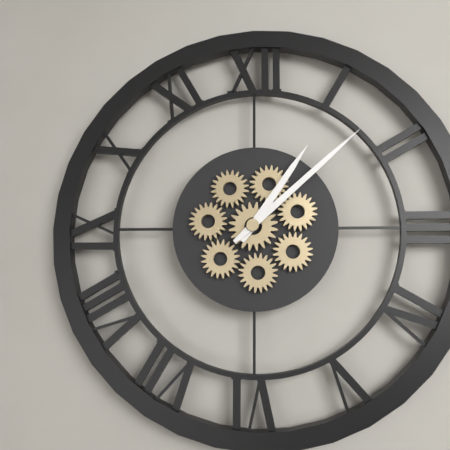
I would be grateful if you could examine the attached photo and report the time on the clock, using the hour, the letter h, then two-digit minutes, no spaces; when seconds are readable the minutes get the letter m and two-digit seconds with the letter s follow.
1h08
